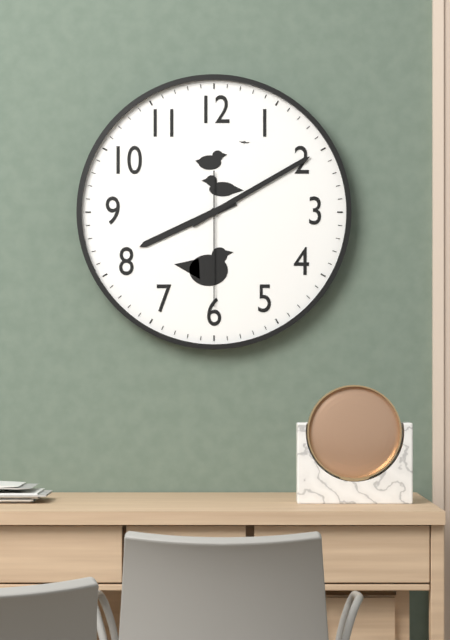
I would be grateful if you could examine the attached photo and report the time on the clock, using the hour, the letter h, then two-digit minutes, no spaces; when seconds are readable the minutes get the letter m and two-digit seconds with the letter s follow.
8h10m30s
